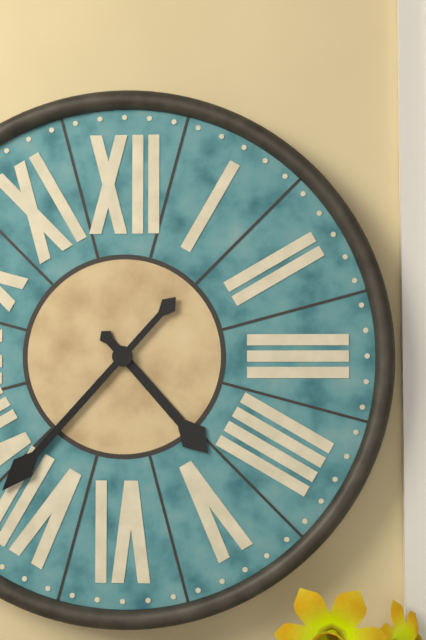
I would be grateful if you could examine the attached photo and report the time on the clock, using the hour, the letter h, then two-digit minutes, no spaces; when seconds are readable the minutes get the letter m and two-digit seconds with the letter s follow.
4h37
